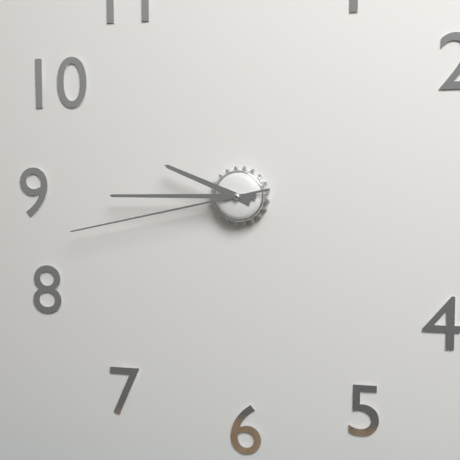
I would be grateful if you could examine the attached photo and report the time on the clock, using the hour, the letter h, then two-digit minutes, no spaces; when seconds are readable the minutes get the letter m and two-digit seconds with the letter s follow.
9h45m43s
